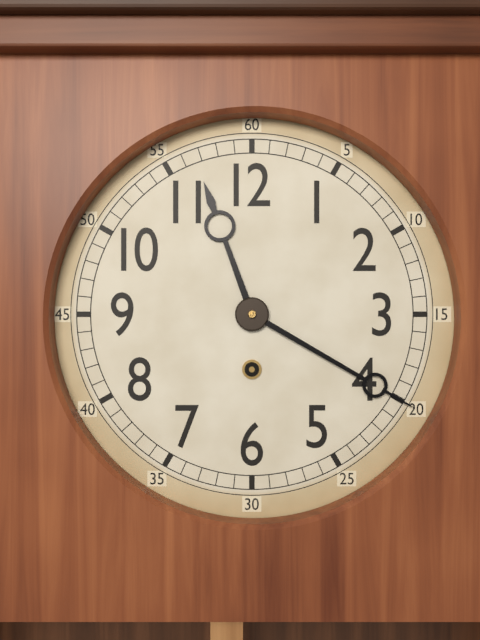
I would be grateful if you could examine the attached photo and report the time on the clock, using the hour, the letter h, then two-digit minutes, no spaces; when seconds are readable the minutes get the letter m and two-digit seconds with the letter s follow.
11h20
